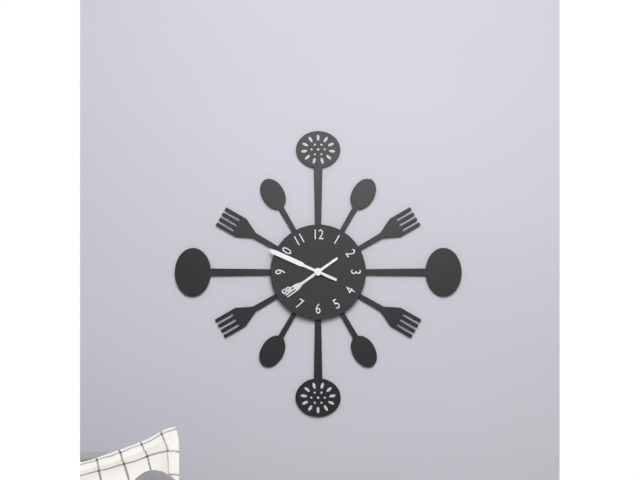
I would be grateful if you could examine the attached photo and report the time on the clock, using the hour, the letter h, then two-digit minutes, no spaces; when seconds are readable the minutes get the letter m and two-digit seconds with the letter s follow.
7h49
